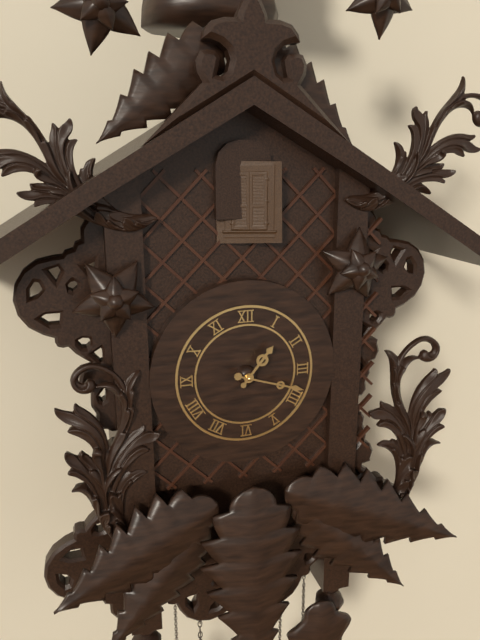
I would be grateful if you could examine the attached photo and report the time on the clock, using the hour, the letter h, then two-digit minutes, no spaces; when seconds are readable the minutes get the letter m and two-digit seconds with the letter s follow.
1h18
